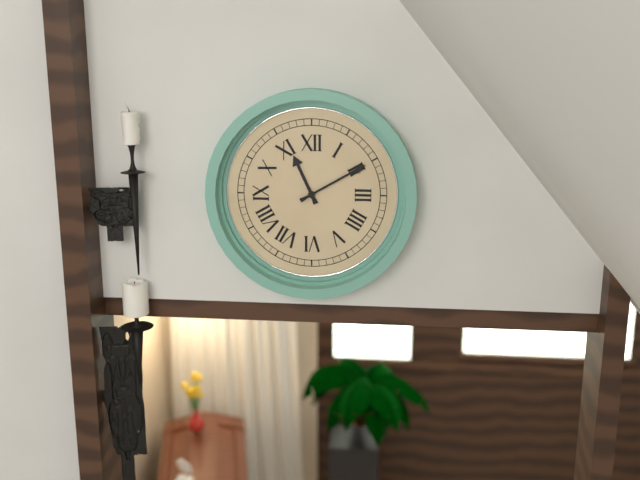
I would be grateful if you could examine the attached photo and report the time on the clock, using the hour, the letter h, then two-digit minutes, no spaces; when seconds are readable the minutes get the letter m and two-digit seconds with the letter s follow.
11h10
